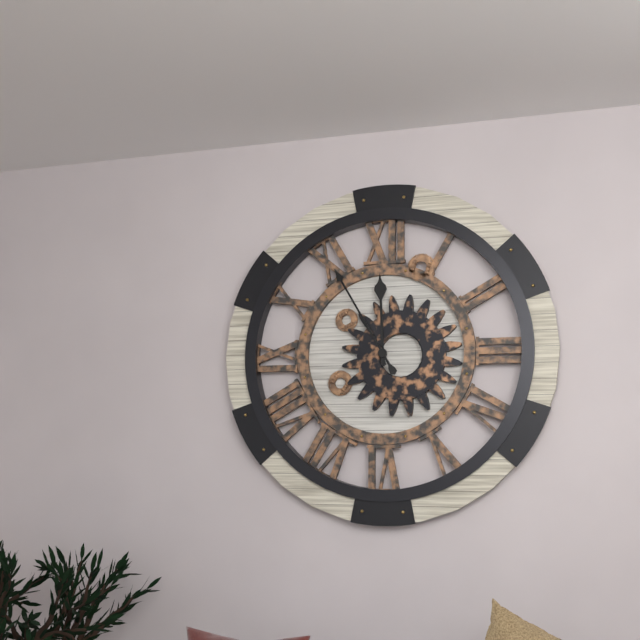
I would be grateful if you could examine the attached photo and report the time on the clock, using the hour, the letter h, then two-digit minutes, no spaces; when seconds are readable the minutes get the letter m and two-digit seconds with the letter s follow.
11h55
